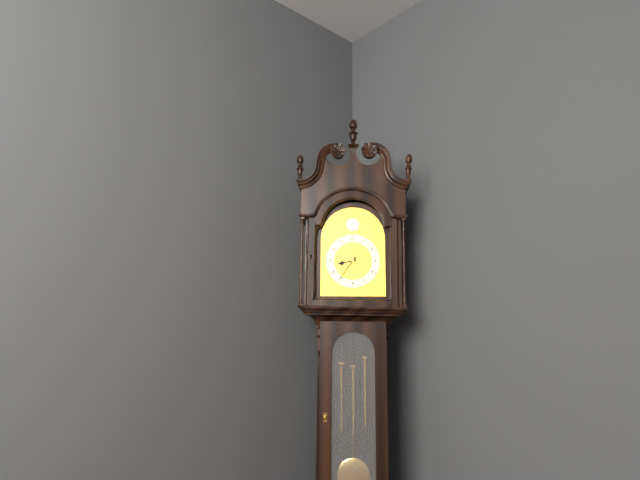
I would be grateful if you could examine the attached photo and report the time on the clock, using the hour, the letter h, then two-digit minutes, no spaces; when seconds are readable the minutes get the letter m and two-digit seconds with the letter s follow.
8h36
